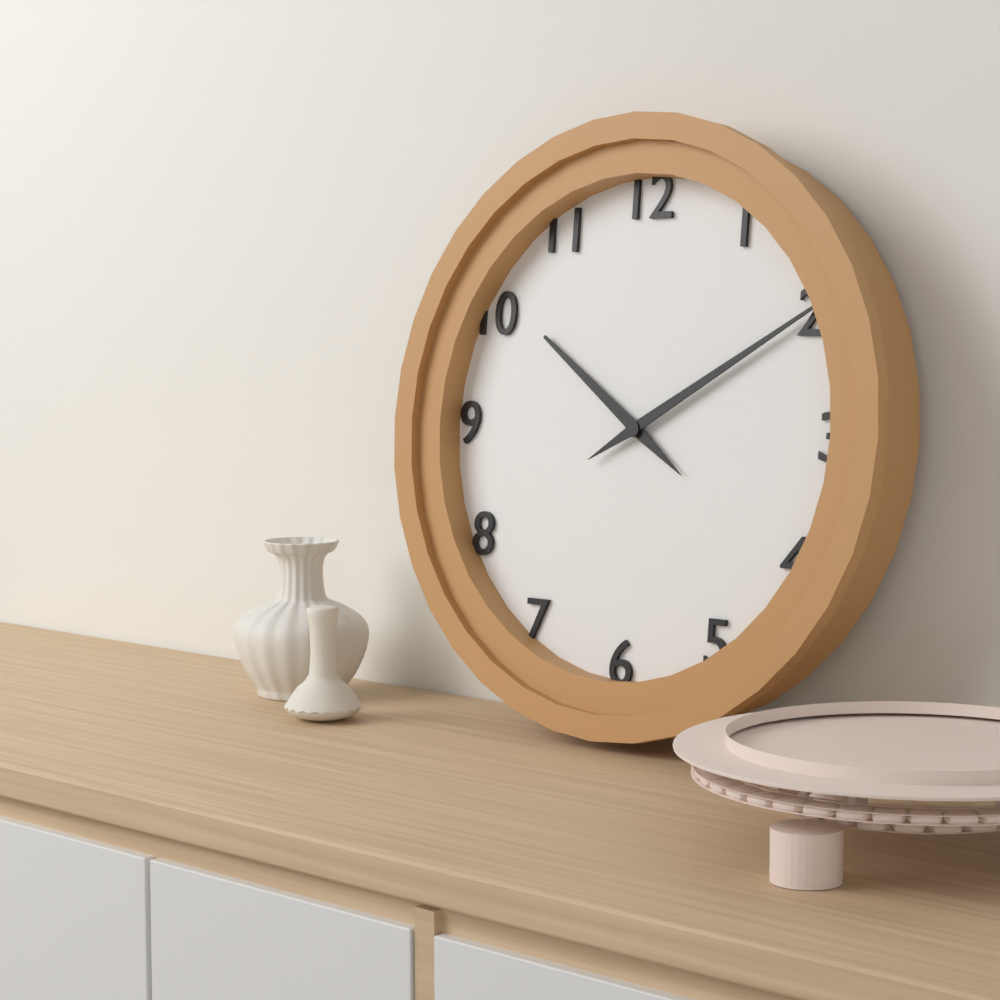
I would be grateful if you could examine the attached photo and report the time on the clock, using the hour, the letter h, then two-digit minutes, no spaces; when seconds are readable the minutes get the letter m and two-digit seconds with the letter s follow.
10h10
